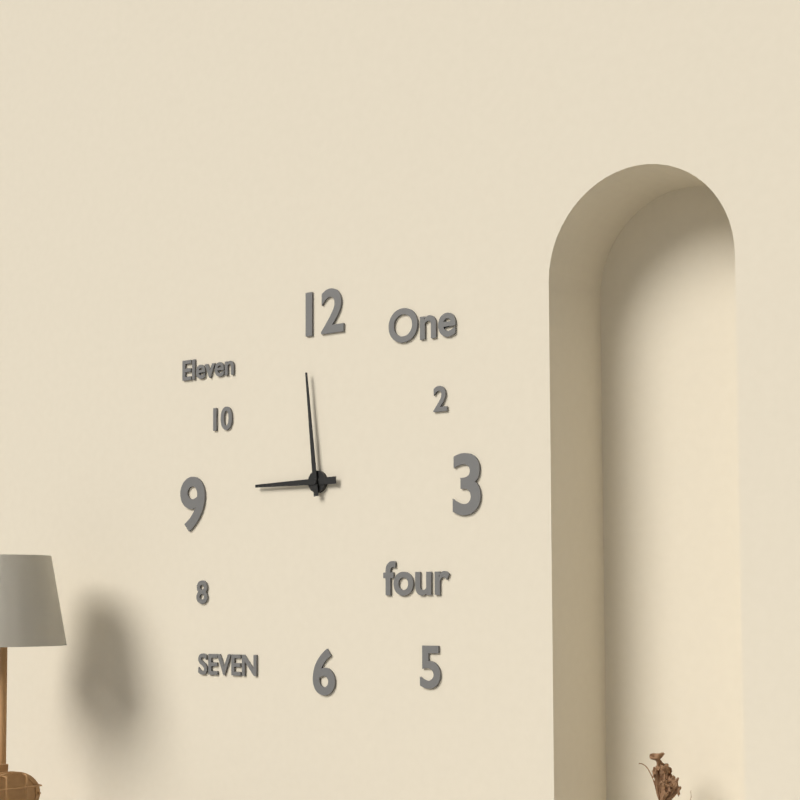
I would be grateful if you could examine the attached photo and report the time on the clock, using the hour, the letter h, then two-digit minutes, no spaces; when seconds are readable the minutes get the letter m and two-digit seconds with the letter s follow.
8h59
